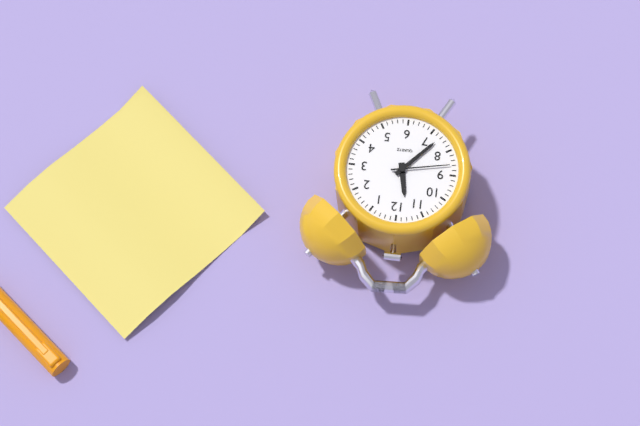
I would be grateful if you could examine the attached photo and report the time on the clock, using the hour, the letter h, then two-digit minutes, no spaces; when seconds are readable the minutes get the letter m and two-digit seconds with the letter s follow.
11h37m43s
